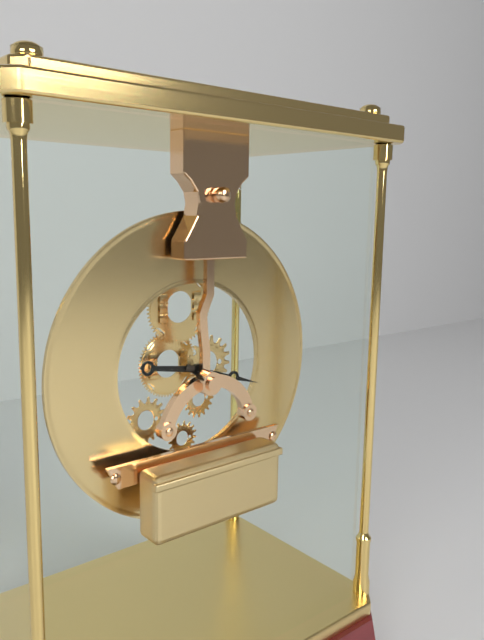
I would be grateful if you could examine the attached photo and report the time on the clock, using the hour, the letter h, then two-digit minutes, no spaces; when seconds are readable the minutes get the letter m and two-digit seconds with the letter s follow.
9h18
